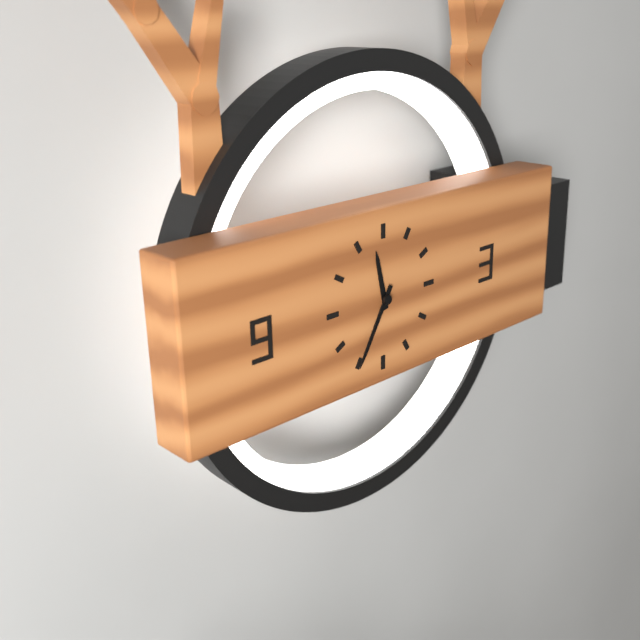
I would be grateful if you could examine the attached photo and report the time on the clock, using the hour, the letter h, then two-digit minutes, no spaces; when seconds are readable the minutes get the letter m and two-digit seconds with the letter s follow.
11h35
